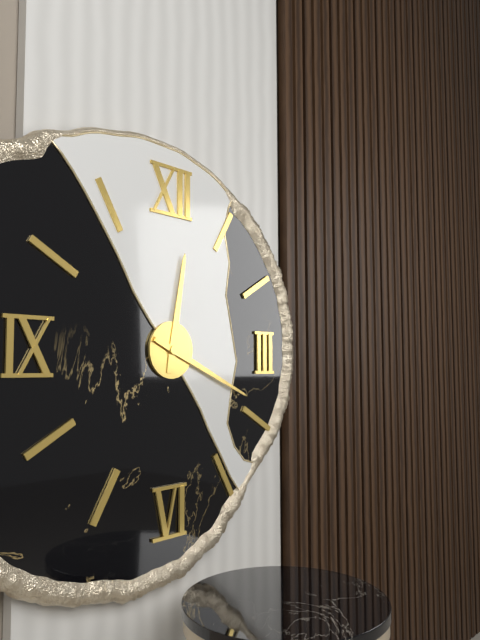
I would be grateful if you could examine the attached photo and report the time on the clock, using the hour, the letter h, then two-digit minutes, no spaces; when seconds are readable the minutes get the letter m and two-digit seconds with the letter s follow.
12h19
